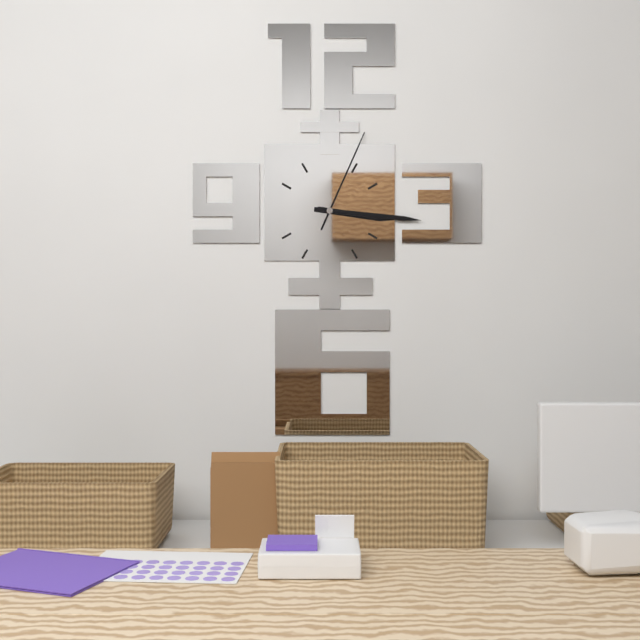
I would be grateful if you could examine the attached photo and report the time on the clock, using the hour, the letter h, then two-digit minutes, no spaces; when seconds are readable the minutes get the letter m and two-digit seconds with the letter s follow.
3h16m04s
